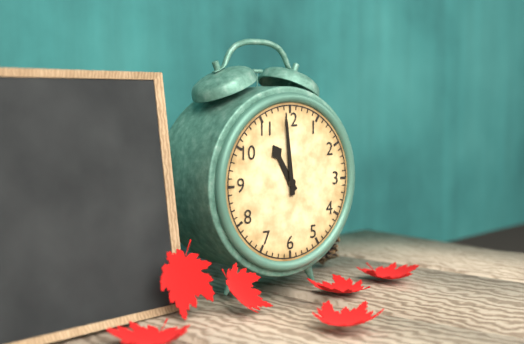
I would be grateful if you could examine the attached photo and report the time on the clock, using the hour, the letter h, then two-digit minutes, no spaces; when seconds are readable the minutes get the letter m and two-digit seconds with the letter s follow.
10h59
